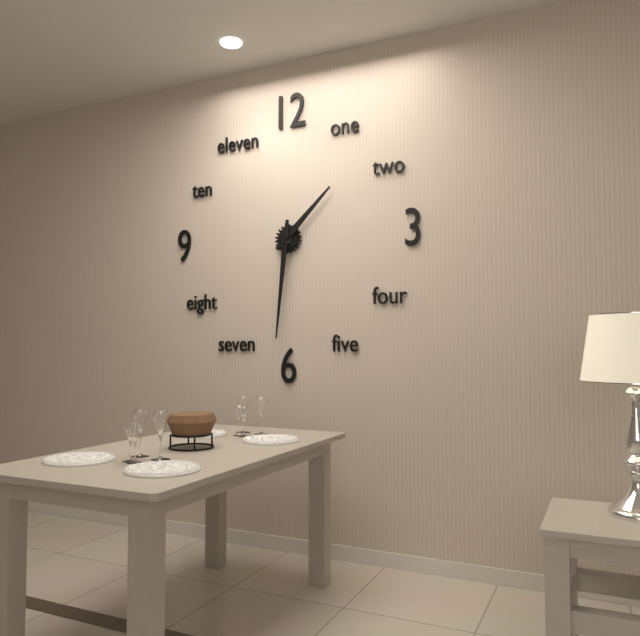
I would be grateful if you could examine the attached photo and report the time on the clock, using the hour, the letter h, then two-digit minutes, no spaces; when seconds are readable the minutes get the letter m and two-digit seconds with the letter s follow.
1h31
